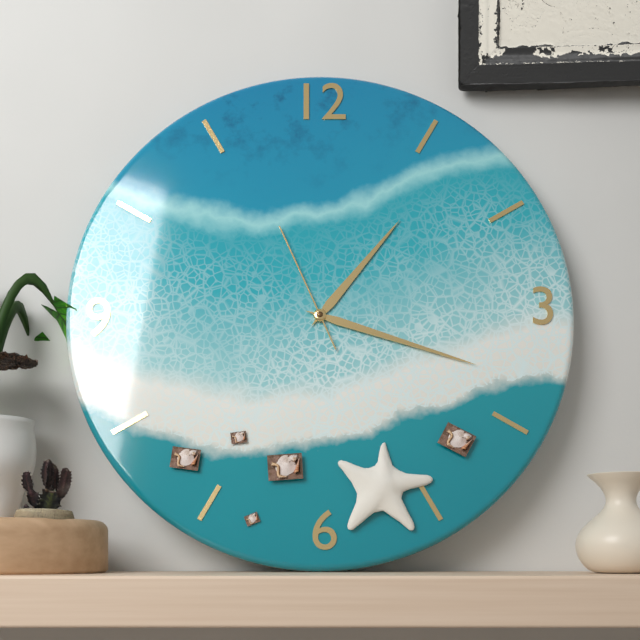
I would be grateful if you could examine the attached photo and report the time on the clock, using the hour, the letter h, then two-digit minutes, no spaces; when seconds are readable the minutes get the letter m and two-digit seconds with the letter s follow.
1h18m56s
